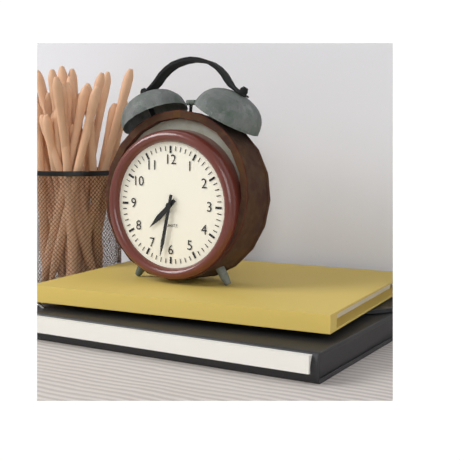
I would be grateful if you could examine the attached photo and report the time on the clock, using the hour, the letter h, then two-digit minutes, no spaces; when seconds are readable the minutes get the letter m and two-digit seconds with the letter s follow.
7h32
